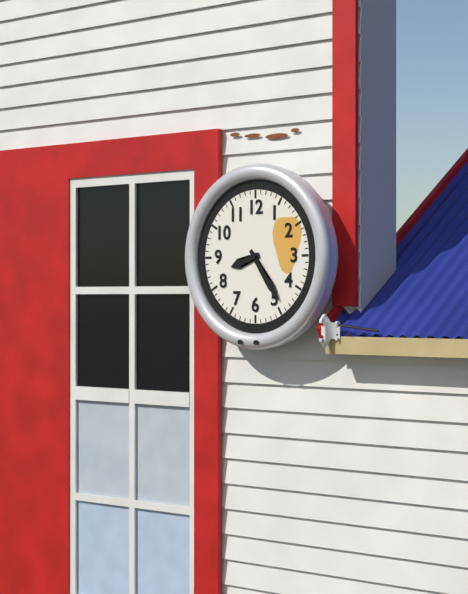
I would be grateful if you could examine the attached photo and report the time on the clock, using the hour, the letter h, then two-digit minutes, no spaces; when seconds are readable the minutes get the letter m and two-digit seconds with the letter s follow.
8h24
